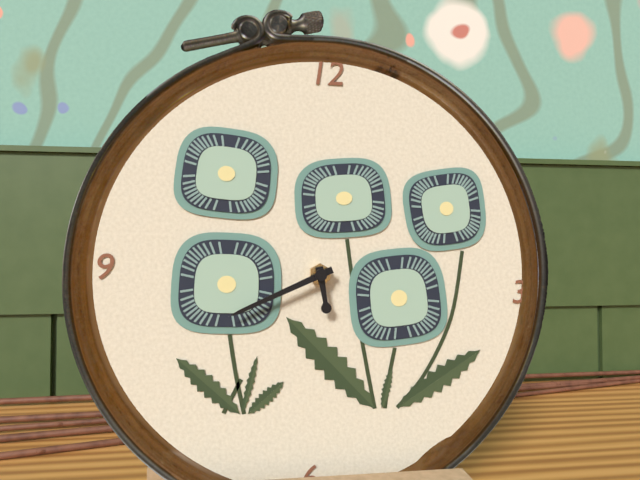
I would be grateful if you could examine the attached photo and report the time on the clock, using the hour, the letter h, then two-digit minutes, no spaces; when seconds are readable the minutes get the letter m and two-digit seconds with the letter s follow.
5h41
